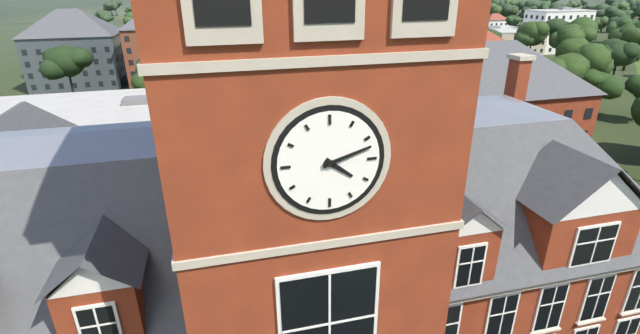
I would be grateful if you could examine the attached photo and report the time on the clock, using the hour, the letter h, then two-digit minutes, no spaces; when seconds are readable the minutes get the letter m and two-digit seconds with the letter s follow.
4h12
